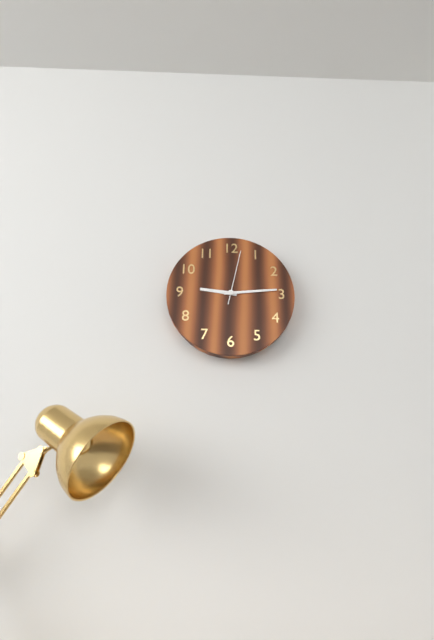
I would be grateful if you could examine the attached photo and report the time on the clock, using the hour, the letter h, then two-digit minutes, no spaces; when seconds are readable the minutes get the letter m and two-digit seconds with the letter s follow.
9h14m02s
